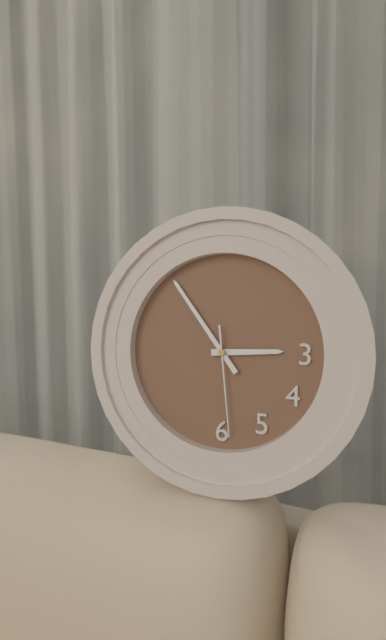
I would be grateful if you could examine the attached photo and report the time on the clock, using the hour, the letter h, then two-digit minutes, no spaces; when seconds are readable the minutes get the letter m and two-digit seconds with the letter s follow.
2h54m29s
